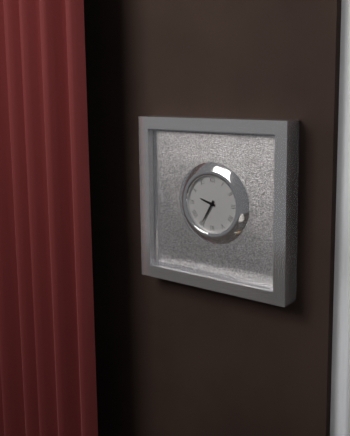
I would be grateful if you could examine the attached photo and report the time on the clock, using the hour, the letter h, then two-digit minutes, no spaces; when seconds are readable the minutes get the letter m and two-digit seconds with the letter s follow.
9h35
